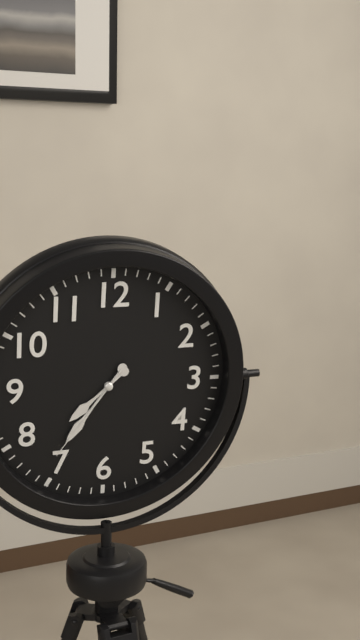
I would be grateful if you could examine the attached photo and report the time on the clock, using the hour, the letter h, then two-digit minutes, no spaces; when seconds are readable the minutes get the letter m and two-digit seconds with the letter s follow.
7h36m36s
